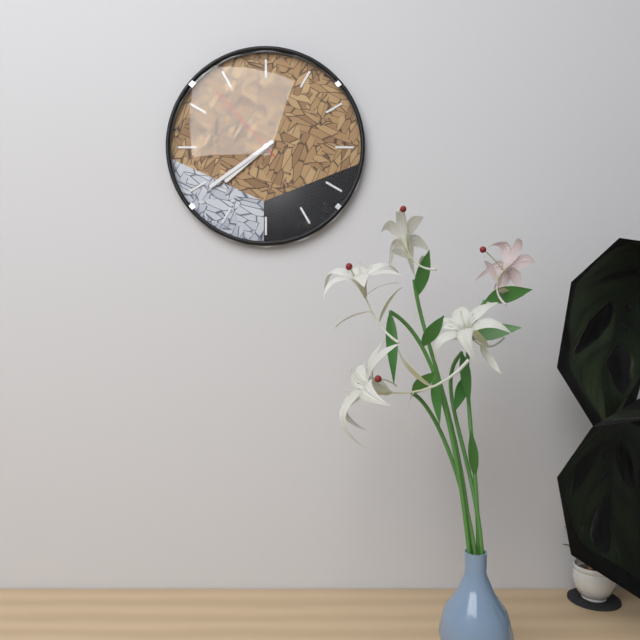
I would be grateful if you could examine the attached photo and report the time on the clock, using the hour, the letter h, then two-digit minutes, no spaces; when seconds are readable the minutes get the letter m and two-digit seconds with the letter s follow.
7h39m53s
